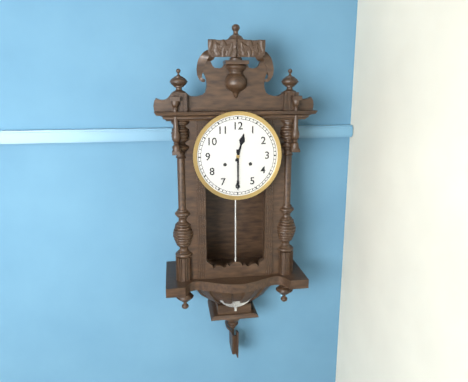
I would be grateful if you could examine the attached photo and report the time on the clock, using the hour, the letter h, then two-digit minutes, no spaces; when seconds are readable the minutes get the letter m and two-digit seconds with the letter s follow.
12h30
